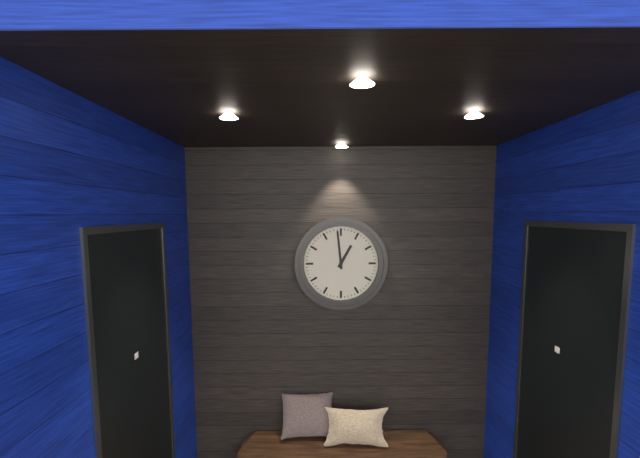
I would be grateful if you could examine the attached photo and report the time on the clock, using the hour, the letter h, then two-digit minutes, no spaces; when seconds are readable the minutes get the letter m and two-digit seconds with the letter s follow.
12h59
